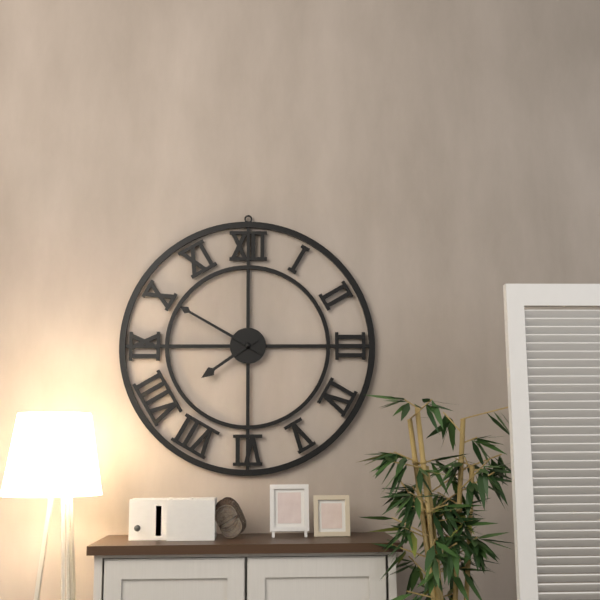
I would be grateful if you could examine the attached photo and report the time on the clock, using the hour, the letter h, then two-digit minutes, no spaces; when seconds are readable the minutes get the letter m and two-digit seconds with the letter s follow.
7h50
